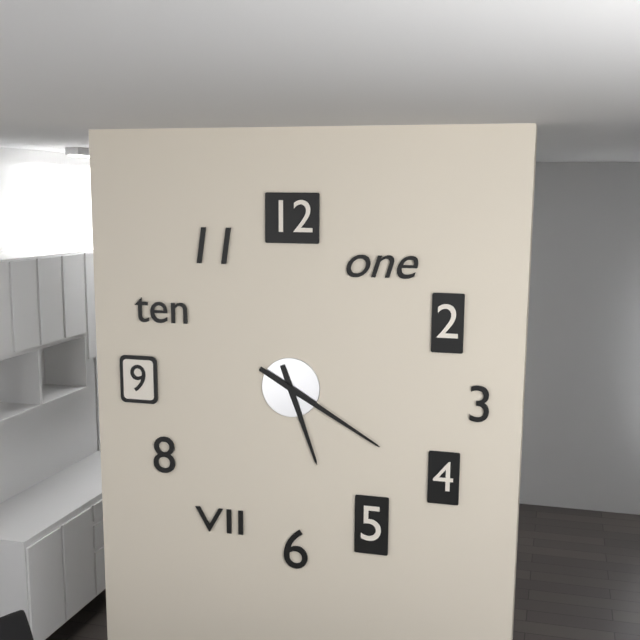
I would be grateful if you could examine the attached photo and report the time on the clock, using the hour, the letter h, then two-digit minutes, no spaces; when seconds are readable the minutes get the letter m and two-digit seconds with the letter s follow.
5h20
